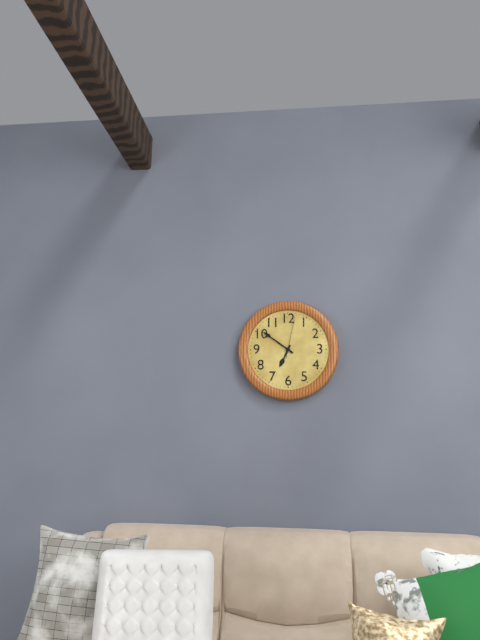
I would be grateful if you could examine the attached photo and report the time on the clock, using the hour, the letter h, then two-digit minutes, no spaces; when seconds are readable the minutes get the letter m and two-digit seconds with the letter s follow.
6h51
